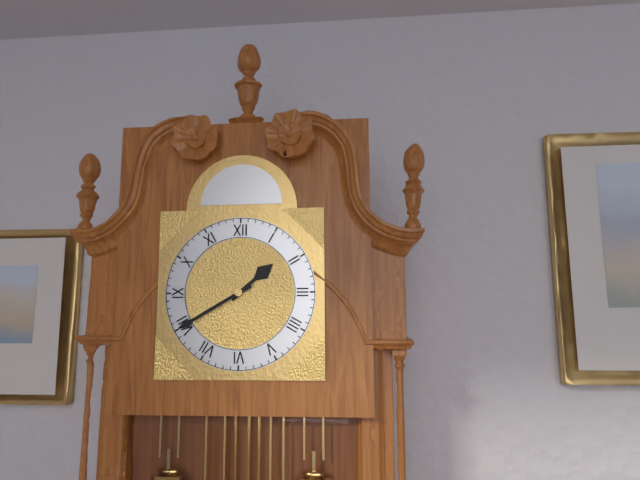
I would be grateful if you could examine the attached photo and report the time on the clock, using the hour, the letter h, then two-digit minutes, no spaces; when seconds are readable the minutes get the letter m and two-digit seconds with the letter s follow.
1h40
